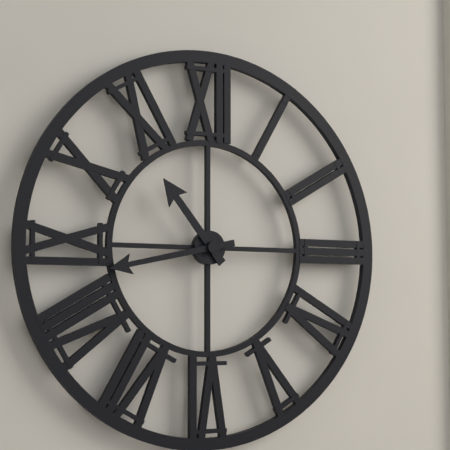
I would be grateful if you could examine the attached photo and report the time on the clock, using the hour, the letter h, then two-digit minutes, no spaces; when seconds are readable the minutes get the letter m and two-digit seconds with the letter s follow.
10h43
